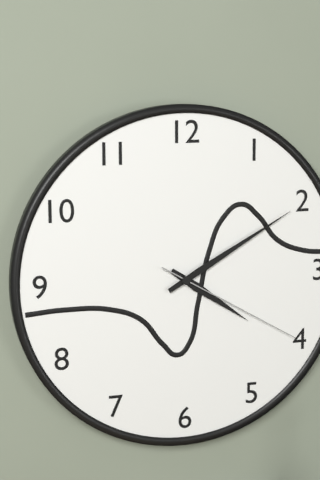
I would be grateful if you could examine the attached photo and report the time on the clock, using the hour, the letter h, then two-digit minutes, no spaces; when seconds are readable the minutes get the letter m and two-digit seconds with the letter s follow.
4h10m20s
